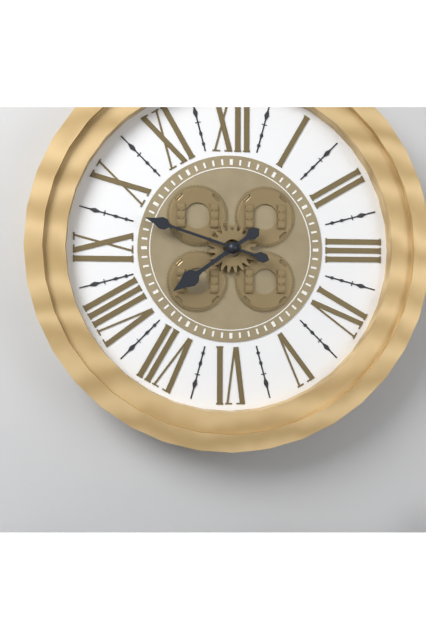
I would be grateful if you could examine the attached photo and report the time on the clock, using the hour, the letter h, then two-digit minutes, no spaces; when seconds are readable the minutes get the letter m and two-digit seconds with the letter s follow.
7h48
